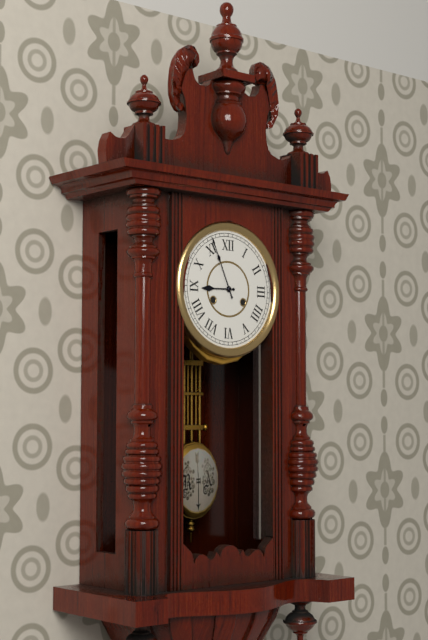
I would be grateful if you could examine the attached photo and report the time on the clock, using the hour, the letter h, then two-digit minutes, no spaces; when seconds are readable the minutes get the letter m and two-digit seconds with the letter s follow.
8h56
